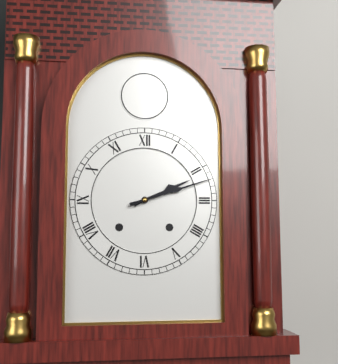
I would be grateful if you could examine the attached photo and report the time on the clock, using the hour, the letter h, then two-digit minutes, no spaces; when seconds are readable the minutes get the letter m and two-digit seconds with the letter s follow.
2h12
